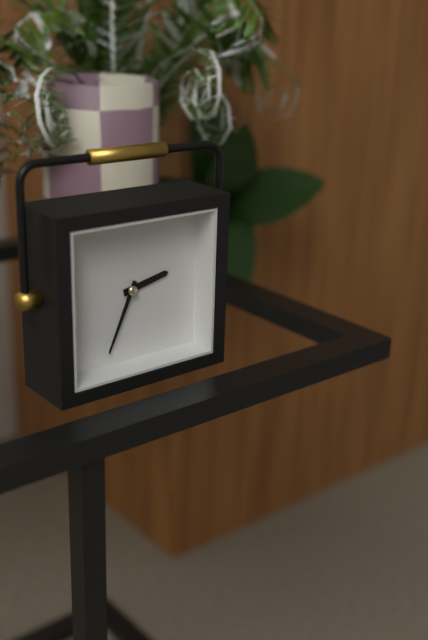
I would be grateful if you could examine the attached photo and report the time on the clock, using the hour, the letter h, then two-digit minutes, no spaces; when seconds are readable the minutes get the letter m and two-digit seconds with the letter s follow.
2h34
